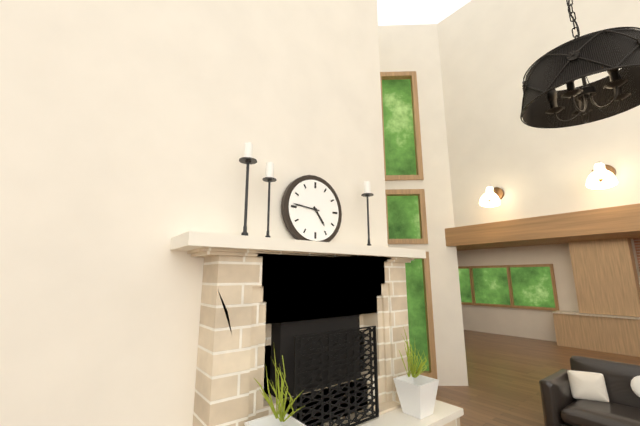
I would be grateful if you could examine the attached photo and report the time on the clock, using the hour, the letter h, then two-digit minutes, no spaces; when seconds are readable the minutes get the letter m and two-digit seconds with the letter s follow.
4h46
